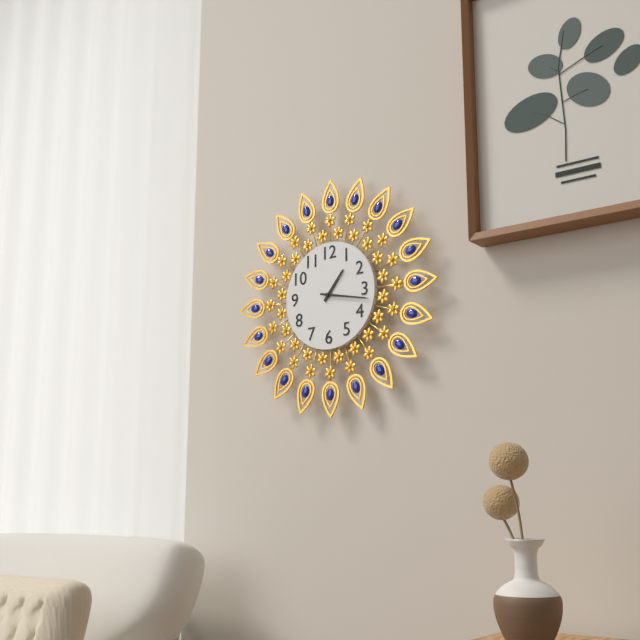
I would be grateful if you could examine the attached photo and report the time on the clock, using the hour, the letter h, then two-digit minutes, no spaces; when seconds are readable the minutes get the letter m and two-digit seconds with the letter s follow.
1h17
